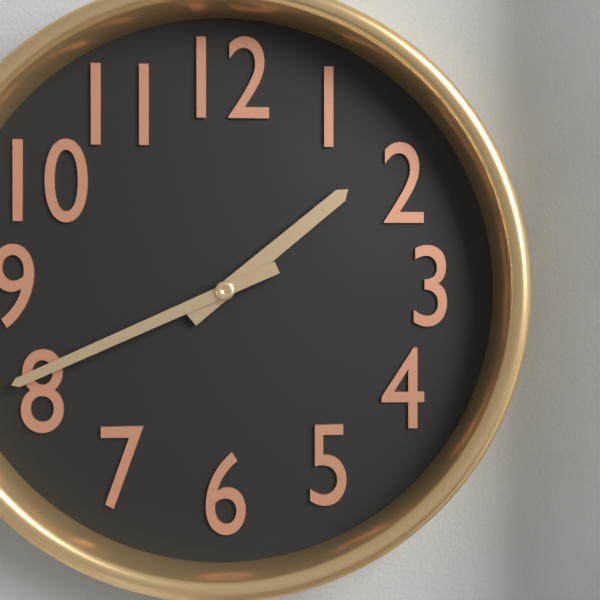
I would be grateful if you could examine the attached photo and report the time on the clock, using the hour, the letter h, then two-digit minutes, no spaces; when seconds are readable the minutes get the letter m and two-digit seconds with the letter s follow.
1h41
